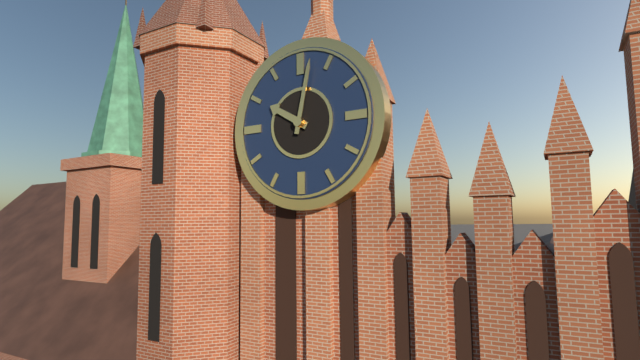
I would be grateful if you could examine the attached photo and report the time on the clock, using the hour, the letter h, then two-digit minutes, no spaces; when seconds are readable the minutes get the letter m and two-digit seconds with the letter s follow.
10h02
